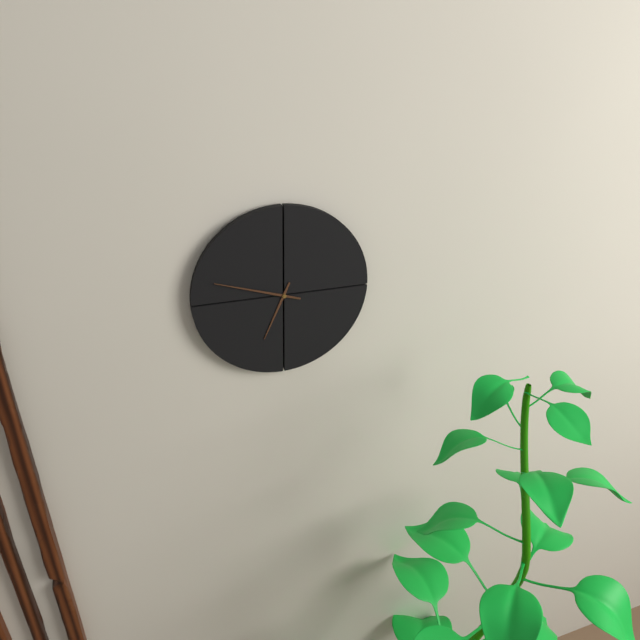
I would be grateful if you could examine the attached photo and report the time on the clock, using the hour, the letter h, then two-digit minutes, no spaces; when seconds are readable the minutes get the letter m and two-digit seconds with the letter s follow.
6h48
